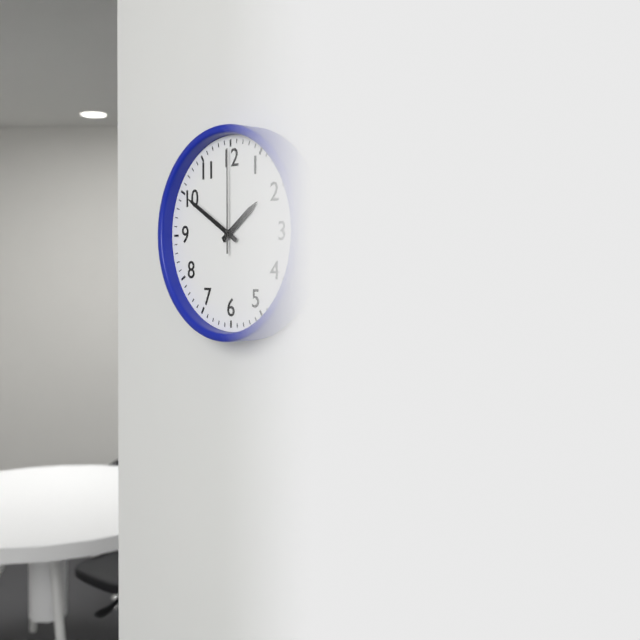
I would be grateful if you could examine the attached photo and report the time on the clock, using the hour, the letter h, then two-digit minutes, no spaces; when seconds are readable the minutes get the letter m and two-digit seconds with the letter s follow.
1h50m00s
